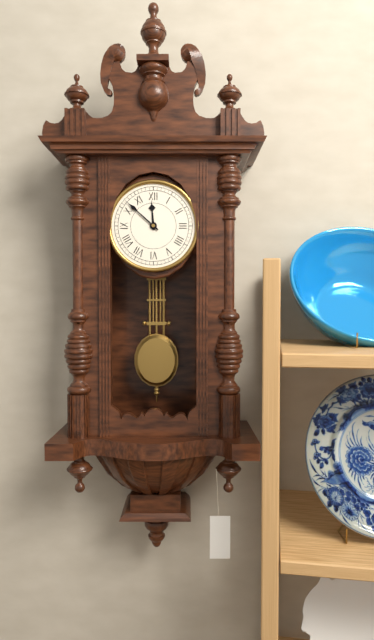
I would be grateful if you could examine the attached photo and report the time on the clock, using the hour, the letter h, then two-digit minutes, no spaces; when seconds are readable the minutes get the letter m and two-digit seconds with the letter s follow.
11h52
